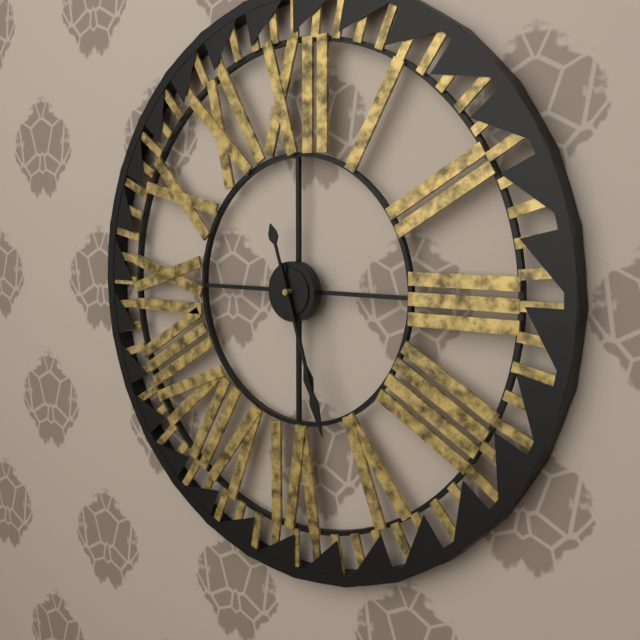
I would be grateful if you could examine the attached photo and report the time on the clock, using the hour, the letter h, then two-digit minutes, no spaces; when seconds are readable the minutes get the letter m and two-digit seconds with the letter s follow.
5h27
